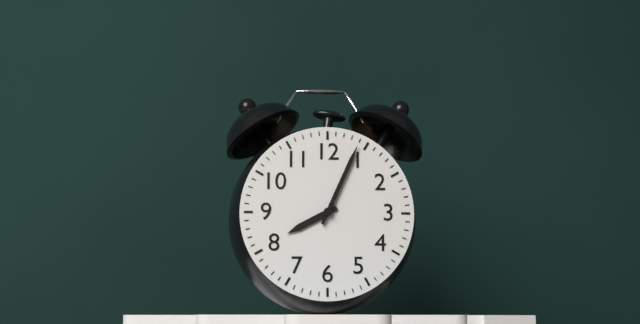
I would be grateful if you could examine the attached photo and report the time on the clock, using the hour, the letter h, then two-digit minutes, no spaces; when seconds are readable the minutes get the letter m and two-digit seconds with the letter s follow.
8h04
